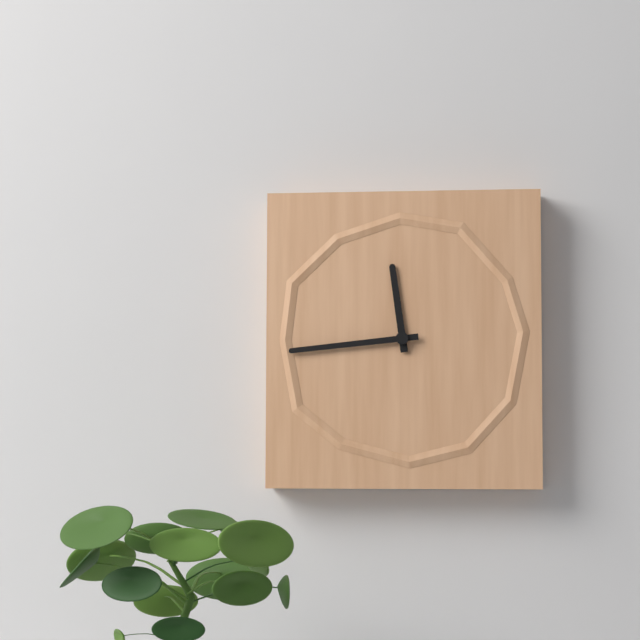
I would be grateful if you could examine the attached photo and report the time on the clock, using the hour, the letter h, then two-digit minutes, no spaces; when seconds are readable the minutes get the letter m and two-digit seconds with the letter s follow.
11h44
